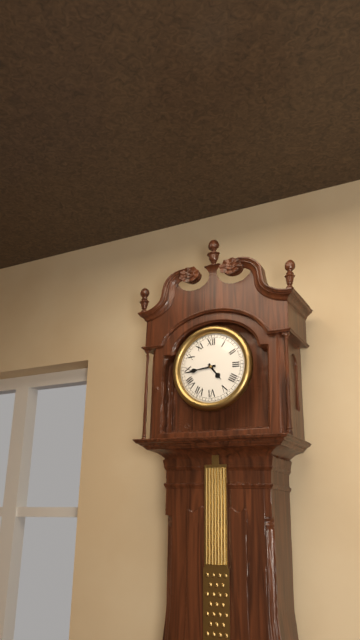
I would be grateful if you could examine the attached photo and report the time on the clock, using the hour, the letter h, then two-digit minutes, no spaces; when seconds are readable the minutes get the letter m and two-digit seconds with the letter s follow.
4h44
